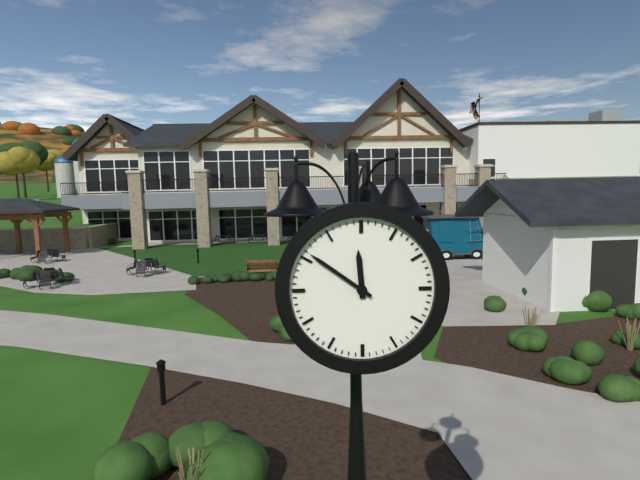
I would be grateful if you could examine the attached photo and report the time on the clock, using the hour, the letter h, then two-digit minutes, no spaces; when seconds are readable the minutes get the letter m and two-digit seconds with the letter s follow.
11h51
